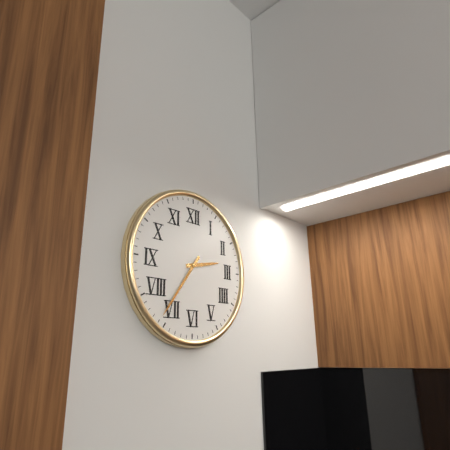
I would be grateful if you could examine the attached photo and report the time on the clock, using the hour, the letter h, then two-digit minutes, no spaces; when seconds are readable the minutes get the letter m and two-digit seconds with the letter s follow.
2h36
